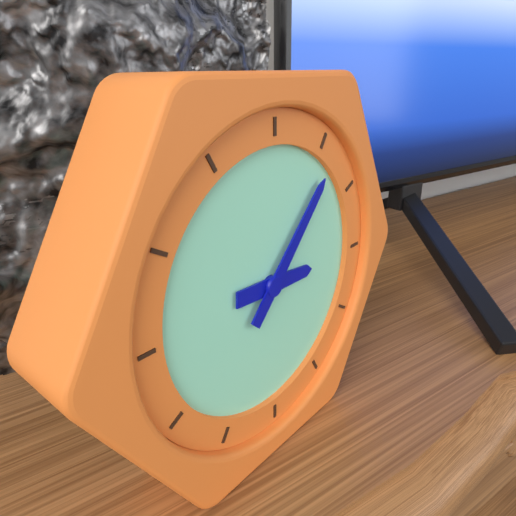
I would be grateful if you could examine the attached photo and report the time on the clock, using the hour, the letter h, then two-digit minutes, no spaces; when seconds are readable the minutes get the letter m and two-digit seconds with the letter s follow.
3h07
